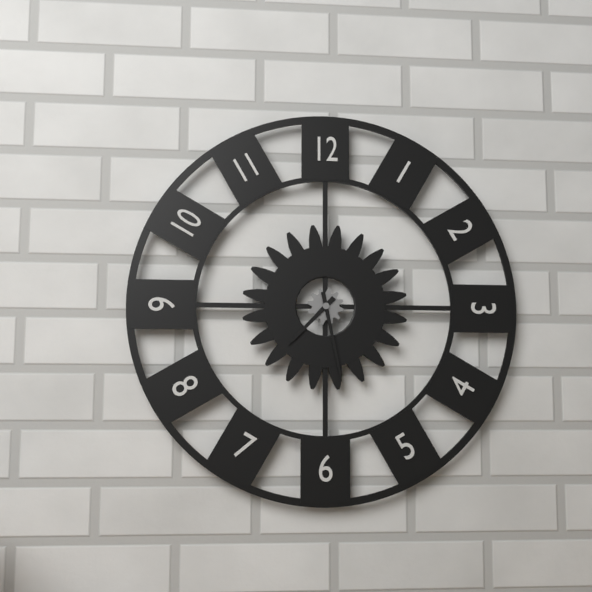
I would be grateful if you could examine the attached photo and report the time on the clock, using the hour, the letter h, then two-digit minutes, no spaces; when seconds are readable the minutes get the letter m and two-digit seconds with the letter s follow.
7h28
